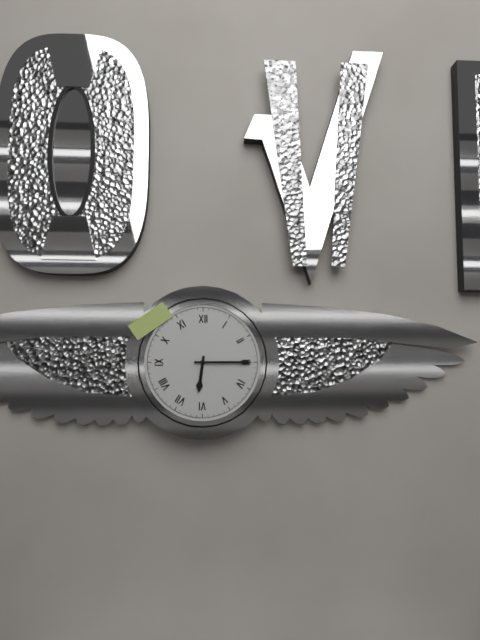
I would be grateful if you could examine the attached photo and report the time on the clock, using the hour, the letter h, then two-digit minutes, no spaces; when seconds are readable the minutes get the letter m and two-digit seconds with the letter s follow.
6h15
